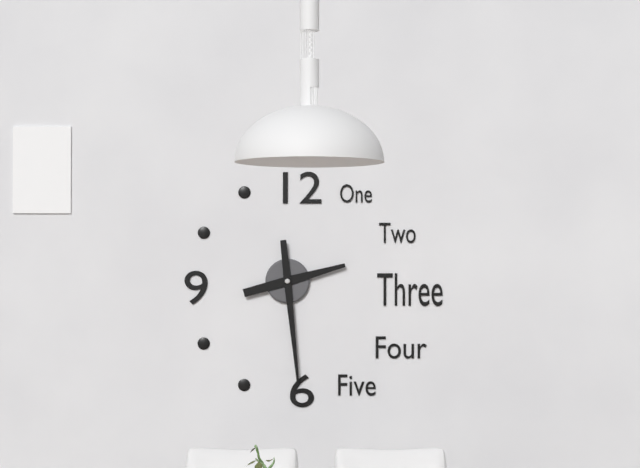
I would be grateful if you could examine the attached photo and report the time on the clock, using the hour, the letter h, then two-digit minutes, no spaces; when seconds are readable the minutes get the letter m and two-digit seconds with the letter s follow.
2h29
